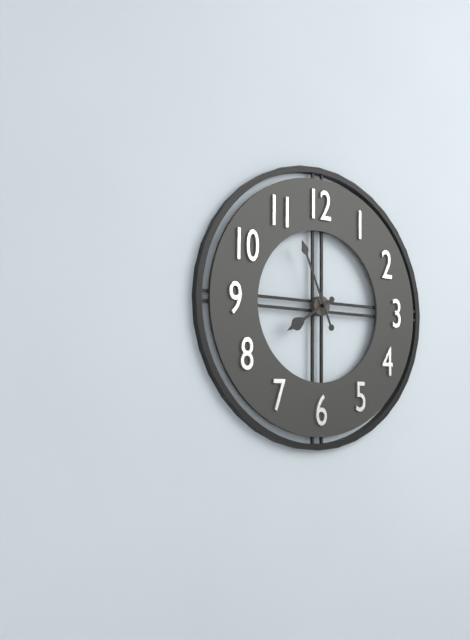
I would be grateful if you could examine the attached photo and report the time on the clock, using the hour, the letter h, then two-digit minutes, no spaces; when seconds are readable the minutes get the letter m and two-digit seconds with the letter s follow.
7h56
